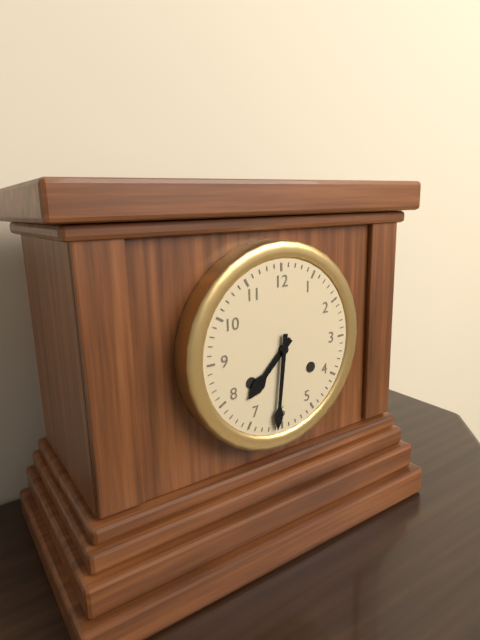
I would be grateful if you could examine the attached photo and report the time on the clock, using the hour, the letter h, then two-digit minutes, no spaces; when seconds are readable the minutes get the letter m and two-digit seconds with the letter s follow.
7h31
